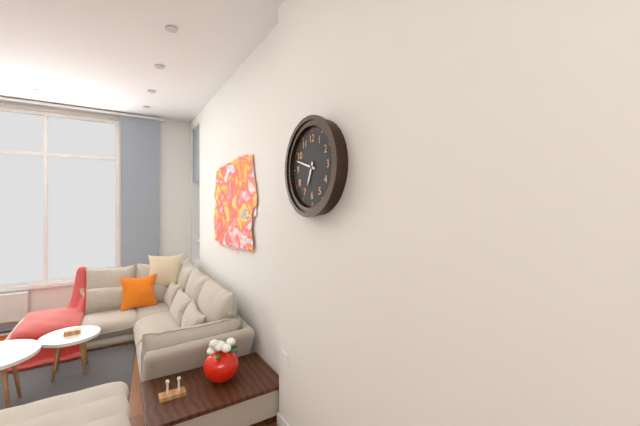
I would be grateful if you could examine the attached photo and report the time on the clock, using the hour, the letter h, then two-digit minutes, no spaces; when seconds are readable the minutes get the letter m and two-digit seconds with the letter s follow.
6h48
